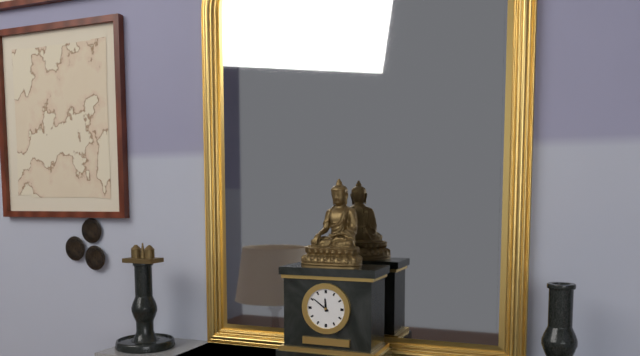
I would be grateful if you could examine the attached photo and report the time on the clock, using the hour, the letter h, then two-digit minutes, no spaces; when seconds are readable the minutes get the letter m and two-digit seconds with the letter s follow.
11h51
